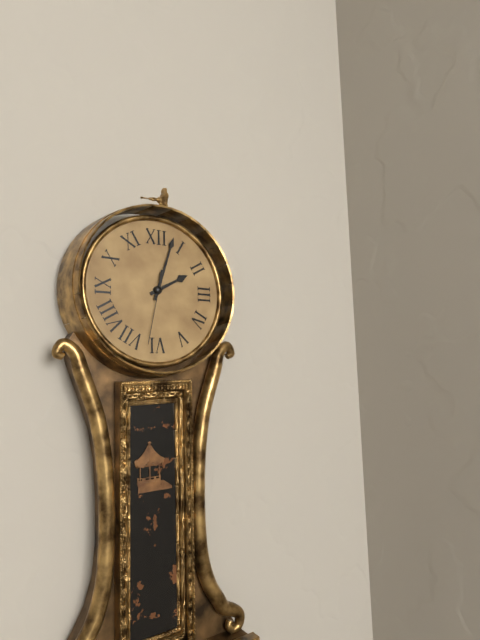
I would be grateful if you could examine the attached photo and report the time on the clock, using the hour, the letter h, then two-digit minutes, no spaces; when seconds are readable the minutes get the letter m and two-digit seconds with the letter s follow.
2h03m32s
